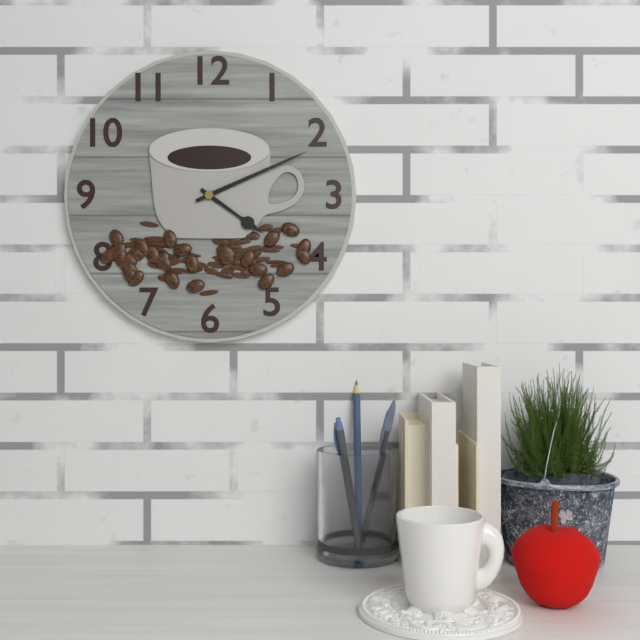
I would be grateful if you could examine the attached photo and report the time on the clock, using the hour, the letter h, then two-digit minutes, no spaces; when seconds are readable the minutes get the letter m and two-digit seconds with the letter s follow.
4h11
